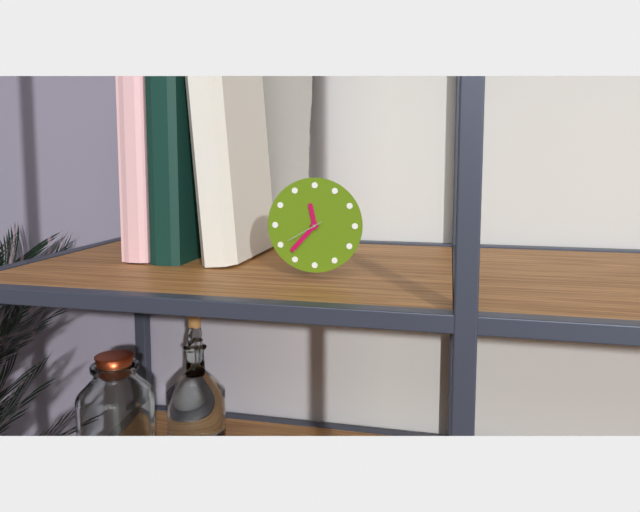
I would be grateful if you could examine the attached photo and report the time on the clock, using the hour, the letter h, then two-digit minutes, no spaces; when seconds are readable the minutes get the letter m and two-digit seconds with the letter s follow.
11h37
